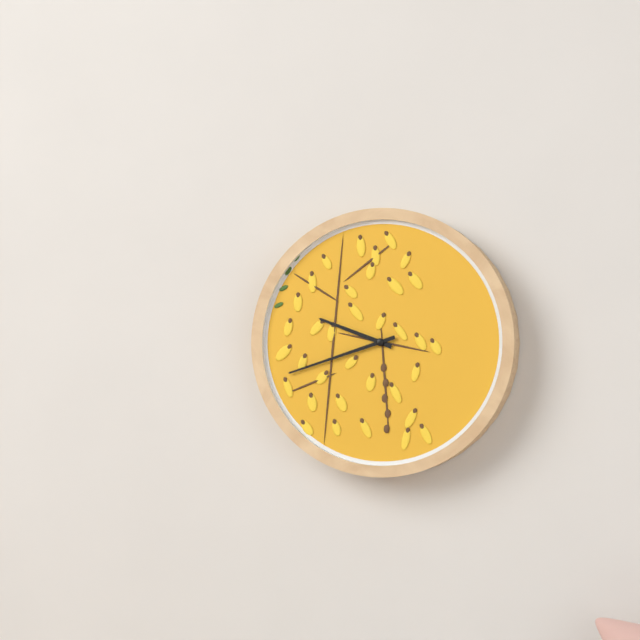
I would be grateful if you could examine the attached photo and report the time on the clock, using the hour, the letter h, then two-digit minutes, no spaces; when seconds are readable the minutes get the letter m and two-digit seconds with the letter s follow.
9h42
